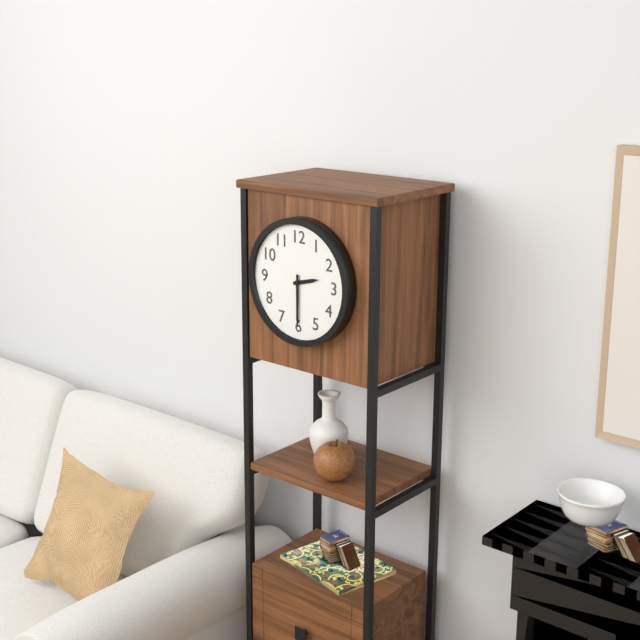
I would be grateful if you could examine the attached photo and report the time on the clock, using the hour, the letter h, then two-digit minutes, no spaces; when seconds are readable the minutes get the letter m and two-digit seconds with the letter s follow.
2h30
